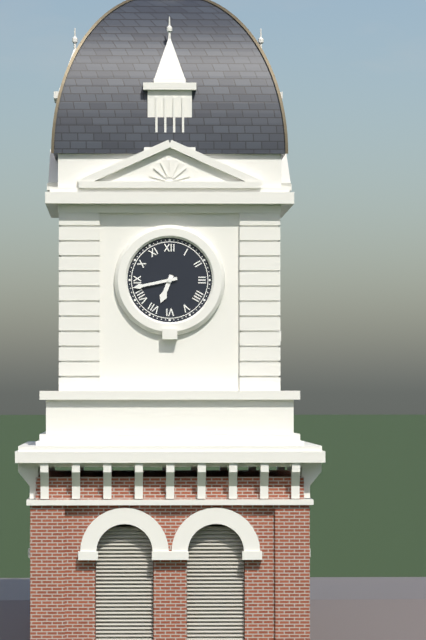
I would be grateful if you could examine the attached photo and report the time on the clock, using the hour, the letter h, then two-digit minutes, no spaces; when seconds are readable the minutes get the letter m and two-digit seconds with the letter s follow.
6h43
